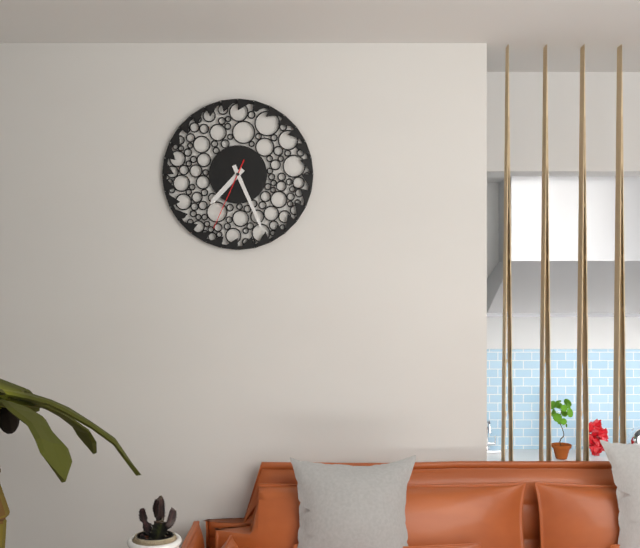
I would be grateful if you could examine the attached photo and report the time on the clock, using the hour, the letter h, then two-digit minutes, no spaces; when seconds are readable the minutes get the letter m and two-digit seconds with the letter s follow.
7h26m34s
